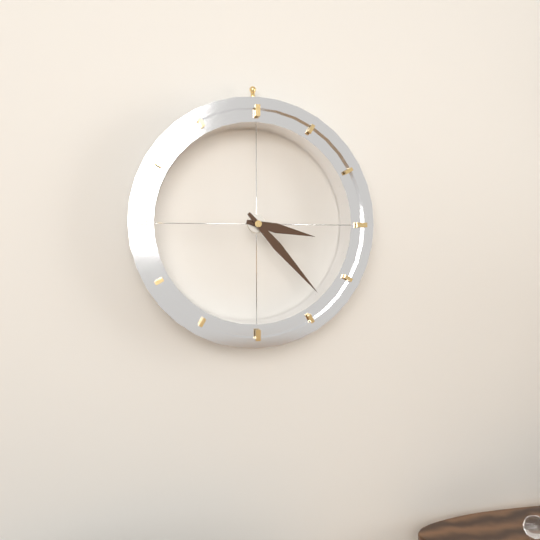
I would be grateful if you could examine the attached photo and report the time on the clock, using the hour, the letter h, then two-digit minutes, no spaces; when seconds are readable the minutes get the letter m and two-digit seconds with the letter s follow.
3h23
